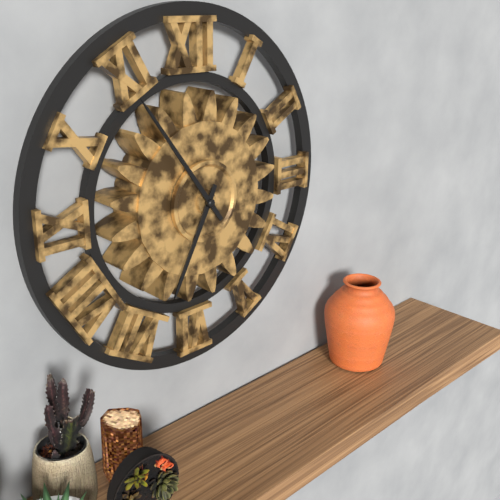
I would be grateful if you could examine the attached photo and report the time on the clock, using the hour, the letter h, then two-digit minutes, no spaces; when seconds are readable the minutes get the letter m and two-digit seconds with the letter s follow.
6h54
